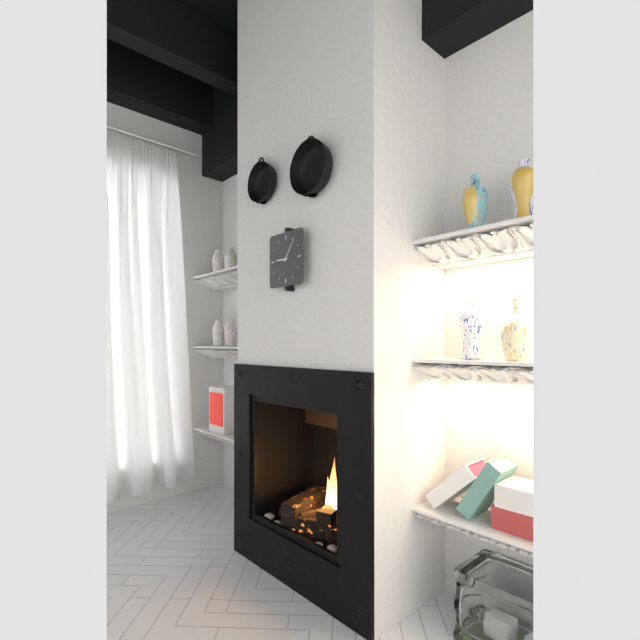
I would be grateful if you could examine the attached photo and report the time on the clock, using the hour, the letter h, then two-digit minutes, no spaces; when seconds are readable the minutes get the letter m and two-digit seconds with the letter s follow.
9h06
